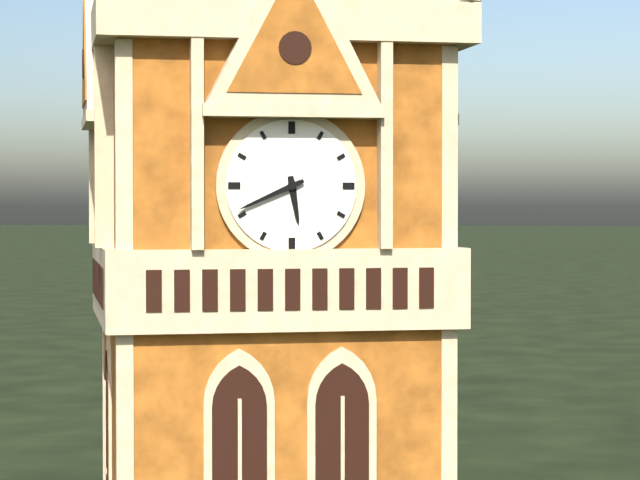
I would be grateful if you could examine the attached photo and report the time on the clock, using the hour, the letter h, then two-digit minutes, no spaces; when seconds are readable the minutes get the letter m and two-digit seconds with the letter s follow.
5h41
